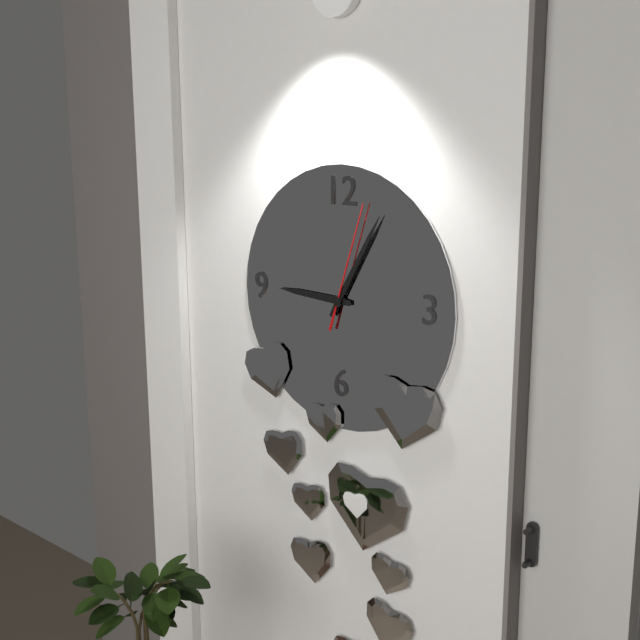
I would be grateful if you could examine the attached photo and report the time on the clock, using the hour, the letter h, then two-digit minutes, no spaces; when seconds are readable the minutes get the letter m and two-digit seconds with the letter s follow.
9h05m03s
